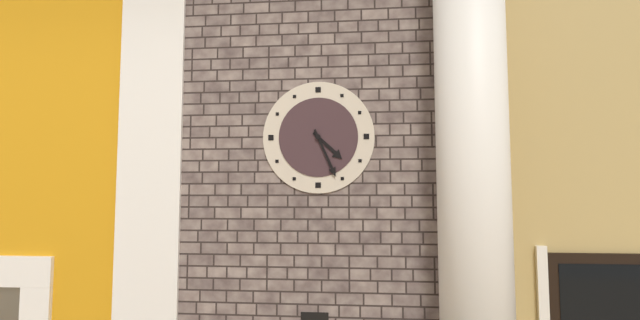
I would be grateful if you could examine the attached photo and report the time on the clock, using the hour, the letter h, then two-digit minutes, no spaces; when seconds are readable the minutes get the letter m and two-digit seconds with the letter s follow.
4h26
